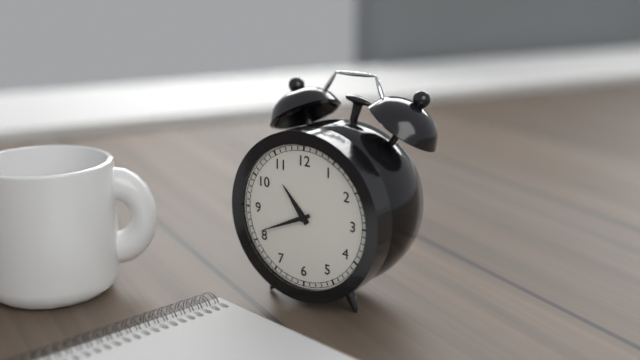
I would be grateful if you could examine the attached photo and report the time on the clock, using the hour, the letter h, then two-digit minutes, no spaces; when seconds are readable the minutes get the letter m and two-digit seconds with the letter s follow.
10h41
